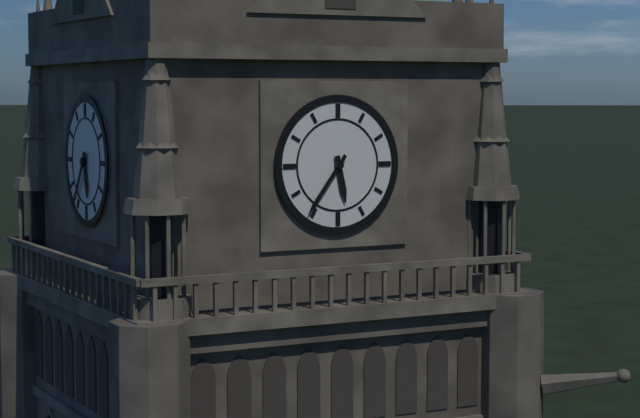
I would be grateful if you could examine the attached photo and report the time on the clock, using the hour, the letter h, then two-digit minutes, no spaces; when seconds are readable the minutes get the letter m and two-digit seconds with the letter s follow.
5h36
